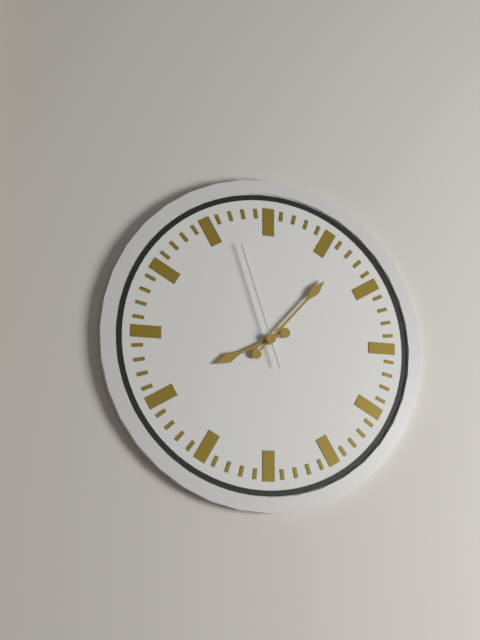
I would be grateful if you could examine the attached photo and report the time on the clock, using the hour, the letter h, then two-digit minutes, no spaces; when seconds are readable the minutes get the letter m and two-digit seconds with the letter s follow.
8h07m57s
